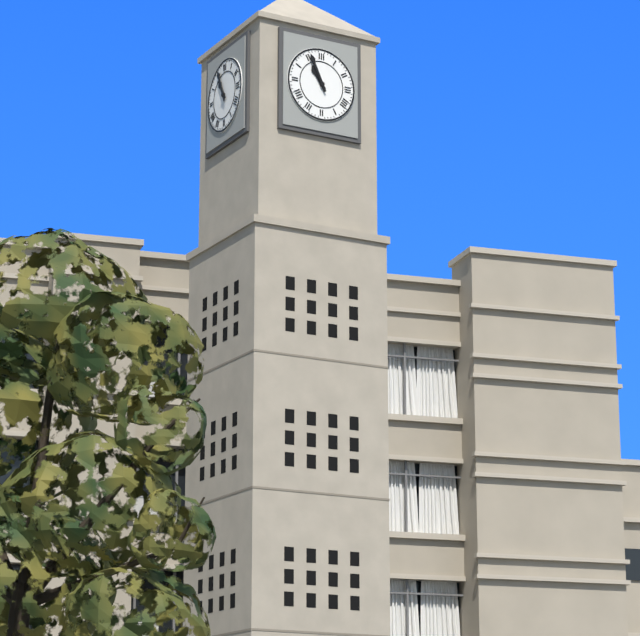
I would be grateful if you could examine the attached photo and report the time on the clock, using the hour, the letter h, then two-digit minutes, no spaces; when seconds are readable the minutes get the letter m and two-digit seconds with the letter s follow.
10h56
